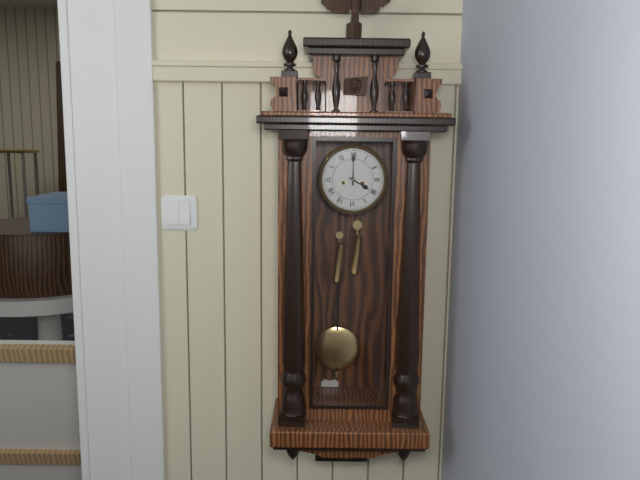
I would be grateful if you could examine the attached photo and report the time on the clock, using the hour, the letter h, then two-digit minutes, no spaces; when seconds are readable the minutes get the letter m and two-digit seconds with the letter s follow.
4h00
